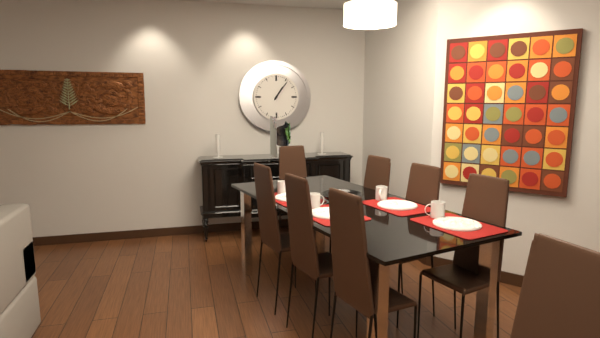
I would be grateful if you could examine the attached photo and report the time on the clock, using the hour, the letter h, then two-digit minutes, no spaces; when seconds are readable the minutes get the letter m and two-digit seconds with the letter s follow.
1h06
